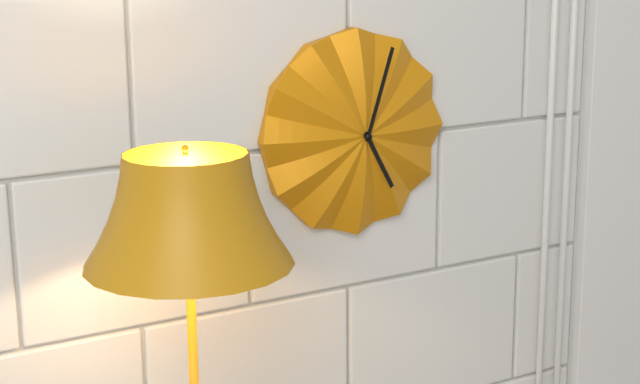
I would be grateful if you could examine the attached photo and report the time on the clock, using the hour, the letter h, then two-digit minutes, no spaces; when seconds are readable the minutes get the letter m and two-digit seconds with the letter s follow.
5h03
